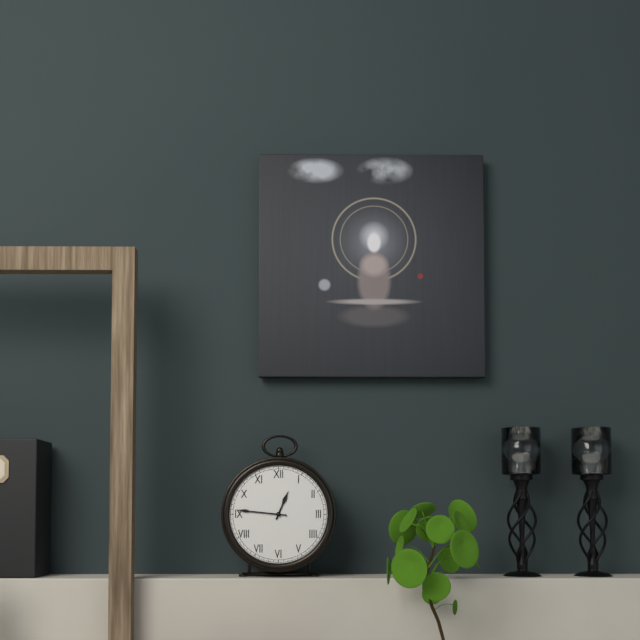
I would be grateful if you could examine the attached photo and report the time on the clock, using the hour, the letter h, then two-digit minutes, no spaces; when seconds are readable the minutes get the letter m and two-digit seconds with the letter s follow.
12h46
